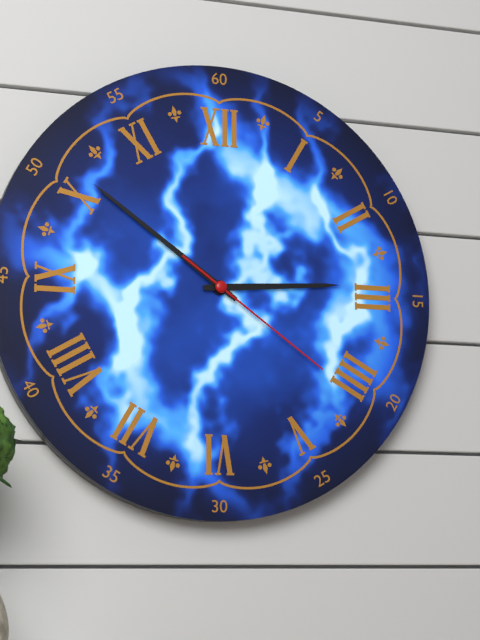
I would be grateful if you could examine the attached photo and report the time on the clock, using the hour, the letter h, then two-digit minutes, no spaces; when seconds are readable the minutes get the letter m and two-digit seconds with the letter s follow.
2h51m21s
